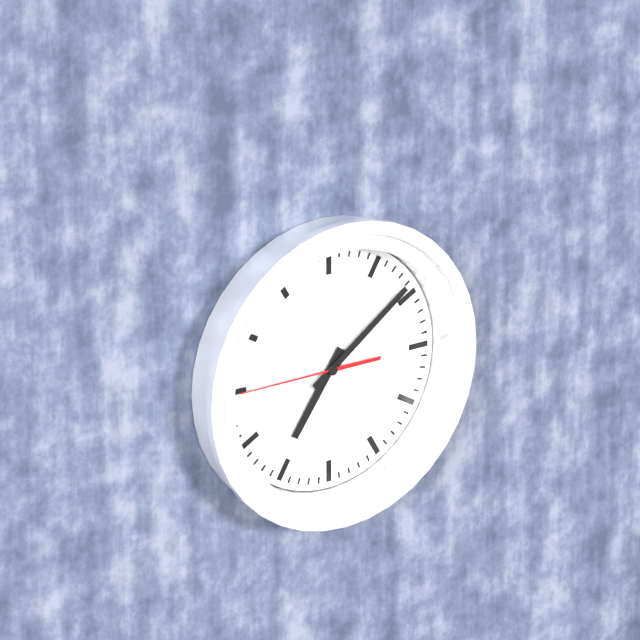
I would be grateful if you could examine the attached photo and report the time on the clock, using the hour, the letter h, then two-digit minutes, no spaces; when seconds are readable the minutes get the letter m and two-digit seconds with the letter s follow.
7h09m45s
